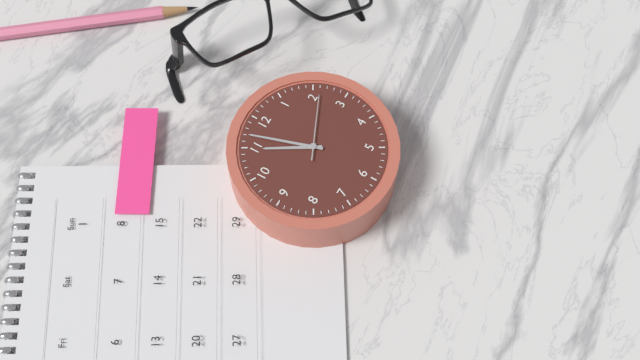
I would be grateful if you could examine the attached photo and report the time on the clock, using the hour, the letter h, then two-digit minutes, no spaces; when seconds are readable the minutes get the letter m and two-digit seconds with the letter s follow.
10h57m11s
